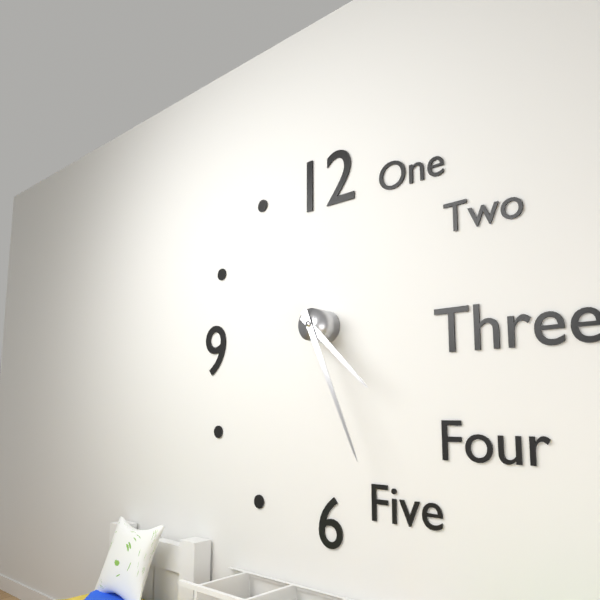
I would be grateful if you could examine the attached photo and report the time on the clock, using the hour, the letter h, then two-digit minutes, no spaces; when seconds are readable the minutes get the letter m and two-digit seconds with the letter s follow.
4h26
